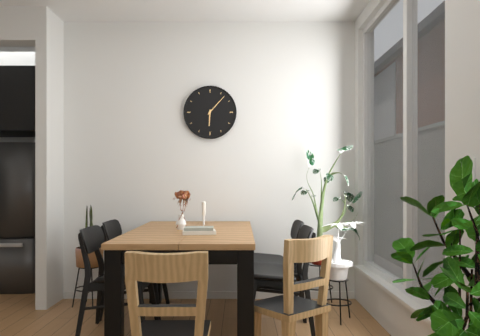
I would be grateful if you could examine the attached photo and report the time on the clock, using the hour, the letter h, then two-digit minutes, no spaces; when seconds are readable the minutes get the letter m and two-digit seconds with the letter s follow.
6h07
